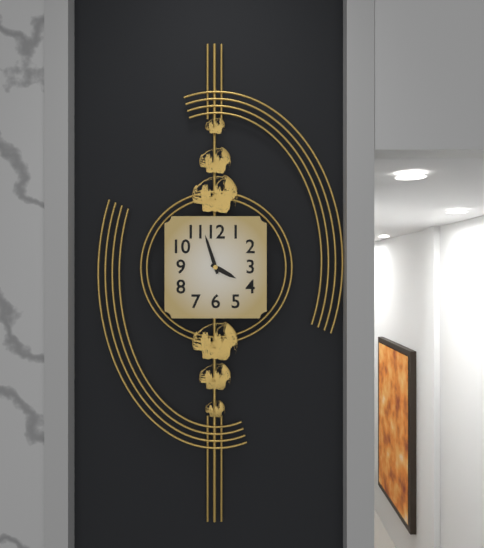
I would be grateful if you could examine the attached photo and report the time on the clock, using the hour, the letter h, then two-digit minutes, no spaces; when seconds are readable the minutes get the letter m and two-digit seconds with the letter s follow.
3h57
